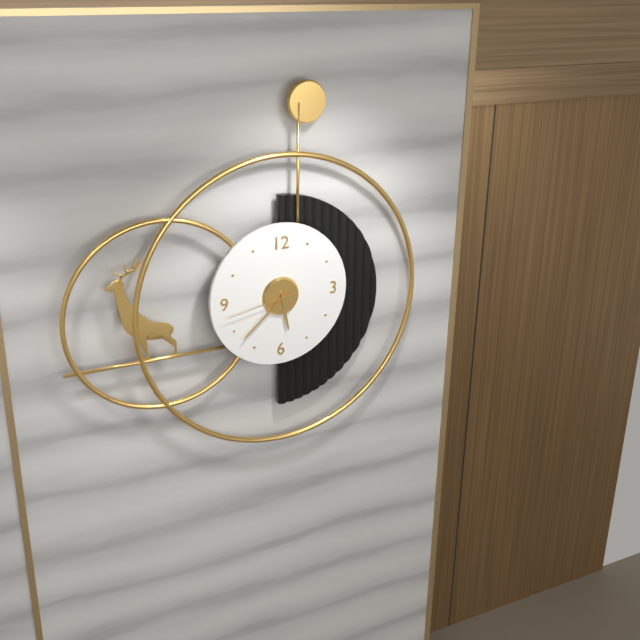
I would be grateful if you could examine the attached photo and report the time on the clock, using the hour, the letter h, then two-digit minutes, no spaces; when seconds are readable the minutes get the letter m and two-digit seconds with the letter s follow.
5h38m43s
